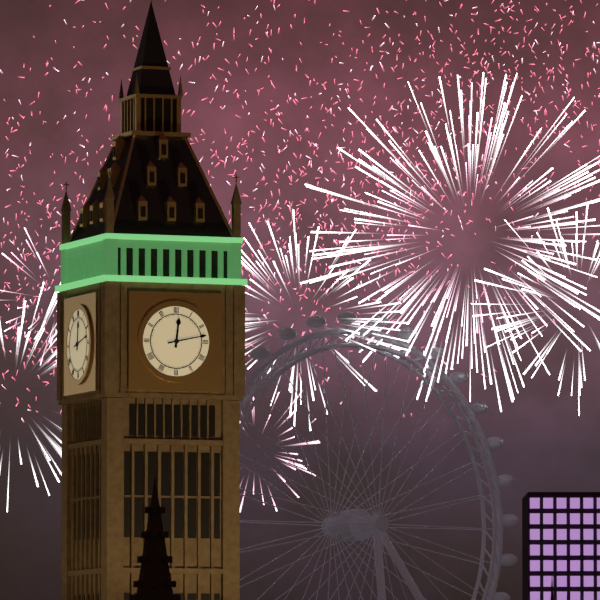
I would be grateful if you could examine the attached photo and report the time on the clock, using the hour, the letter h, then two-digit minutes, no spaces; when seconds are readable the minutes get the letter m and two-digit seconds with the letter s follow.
12h13
